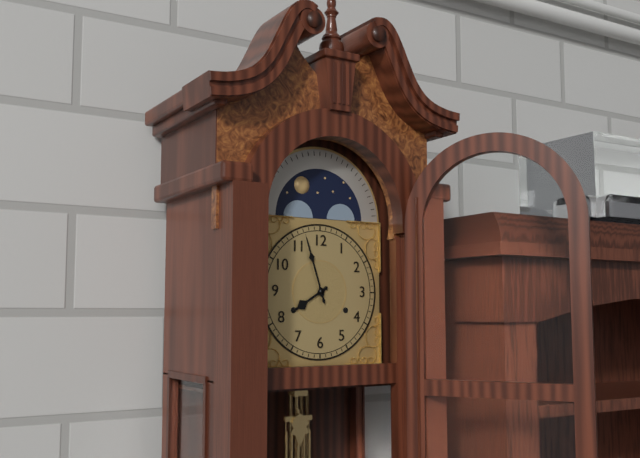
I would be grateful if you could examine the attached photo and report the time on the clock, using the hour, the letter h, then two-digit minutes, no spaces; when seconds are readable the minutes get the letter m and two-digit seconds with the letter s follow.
7h57
